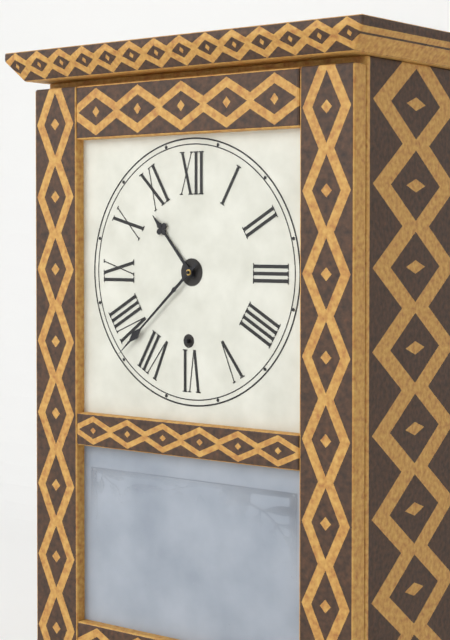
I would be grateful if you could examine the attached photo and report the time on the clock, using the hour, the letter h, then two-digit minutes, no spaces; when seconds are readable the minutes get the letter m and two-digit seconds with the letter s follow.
10h38
